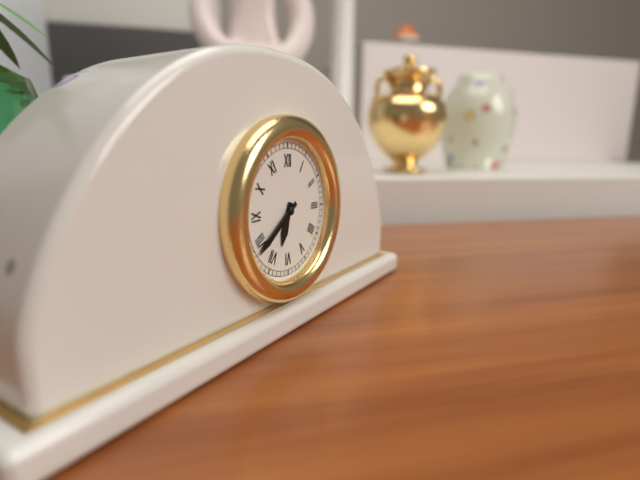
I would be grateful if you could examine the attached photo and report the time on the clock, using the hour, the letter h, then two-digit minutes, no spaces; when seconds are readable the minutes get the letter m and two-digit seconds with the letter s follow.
6h39
